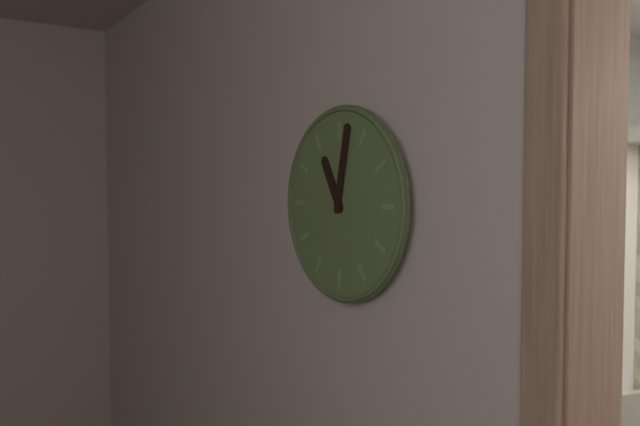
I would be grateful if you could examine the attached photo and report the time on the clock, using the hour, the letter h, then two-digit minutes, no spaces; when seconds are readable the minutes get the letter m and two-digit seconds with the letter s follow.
11h02
